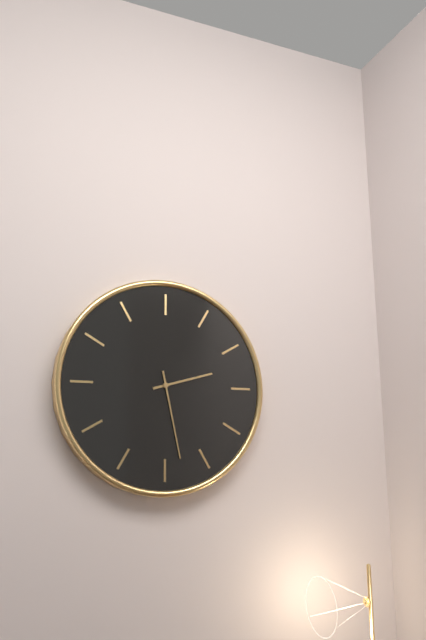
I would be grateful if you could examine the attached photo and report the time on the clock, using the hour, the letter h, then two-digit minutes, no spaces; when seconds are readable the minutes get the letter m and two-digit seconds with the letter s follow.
2h28
